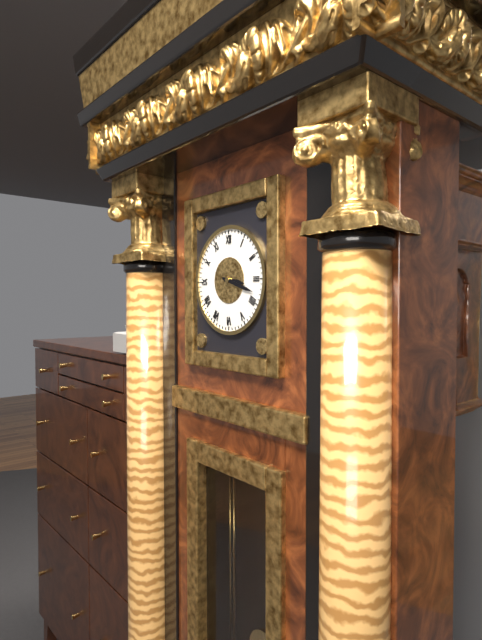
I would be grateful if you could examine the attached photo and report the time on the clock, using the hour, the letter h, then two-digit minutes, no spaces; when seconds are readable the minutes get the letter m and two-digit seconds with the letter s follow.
3h18
